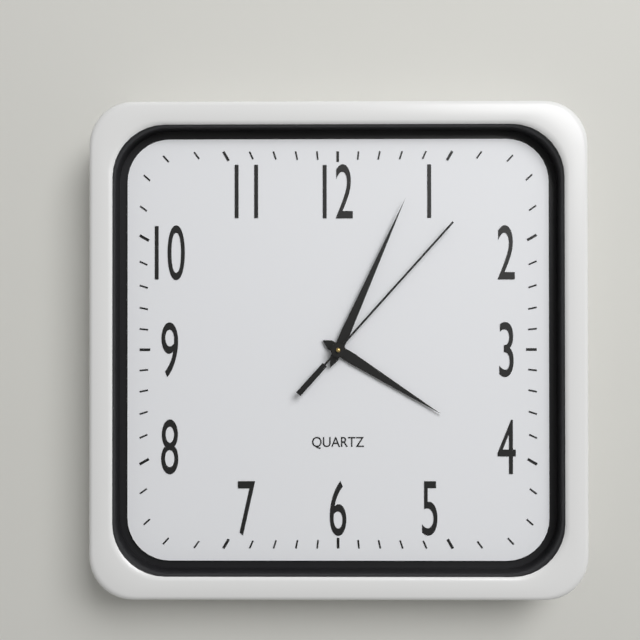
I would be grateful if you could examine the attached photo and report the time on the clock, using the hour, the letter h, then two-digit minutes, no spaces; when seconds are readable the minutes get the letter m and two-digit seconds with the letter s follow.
4h04m07s
